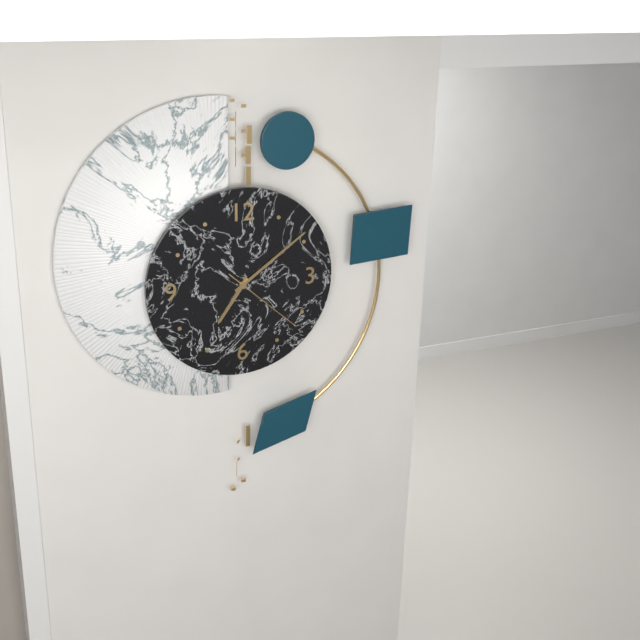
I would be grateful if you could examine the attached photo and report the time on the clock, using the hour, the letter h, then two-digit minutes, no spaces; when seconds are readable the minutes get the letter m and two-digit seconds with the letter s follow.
7h09m22s
